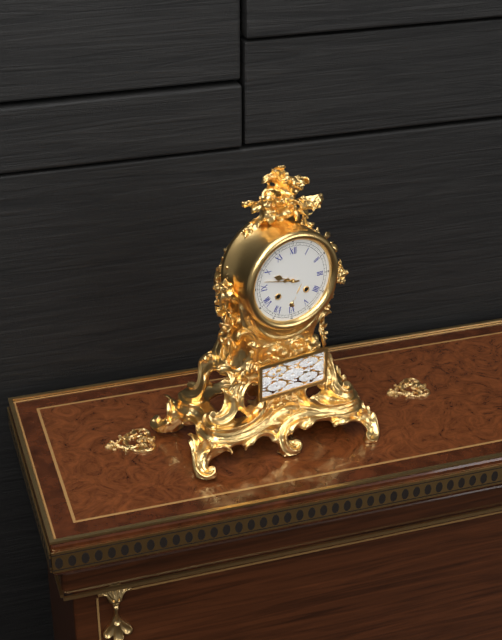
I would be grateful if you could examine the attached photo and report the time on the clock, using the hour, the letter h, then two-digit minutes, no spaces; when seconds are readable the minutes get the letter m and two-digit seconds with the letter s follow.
9h47
